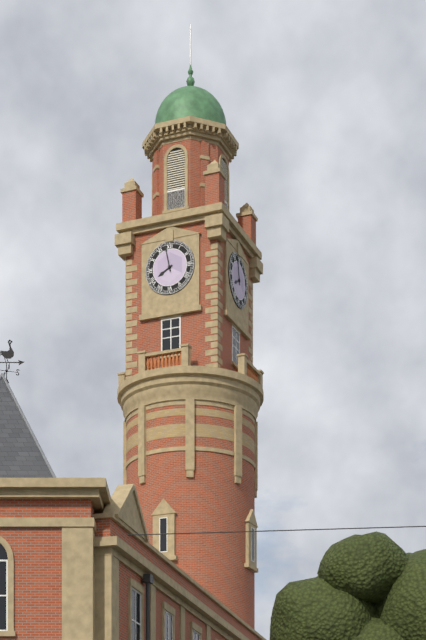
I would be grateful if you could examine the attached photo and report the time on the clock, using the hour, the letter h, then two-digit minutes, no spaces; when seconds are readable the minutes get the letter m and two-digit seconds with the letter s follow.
7h58
